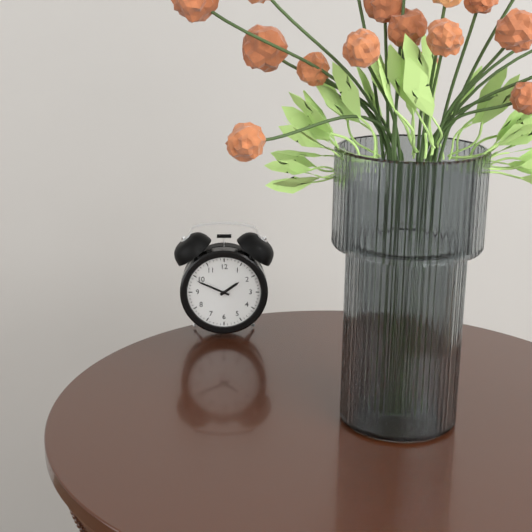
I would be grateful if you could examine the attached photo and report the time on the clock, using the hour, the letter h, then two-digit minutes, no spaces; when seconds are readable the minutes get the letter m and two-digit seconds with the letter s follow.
1h49
